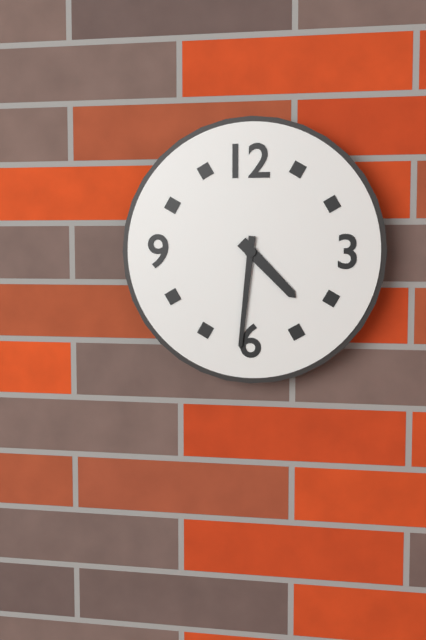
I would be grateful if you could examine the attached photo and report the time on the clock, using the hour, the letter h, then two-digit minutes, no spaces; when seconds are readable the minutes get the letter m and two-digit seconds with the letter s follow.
4h31
